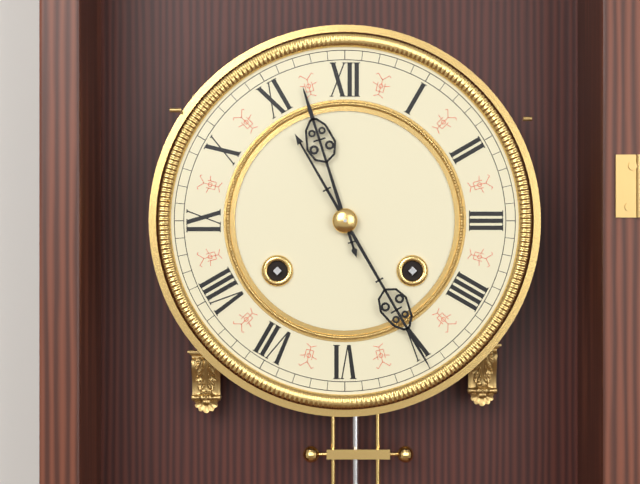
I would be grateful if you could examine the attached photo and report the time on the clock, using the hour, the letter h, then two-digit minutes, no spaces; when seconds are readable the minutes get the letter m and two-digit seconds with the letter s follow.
11h25
